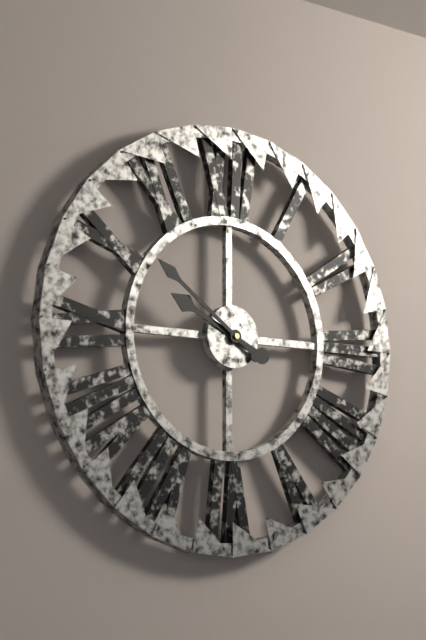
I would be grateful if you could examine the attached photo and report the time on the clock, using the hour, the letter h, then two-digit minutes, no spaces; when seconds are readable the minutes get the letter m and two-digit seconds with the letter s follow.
9h51
